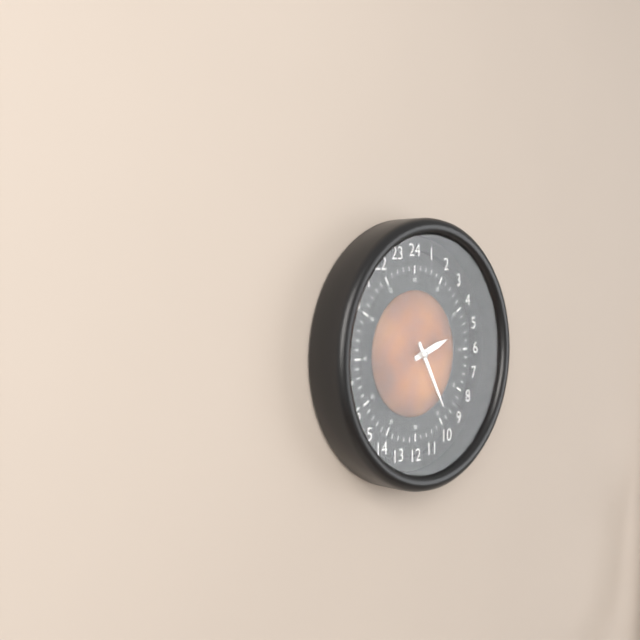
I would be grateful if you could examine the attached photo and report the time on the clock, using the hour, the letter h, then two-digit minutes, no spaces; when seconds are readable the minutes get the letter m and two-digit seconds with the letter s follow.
2h25
